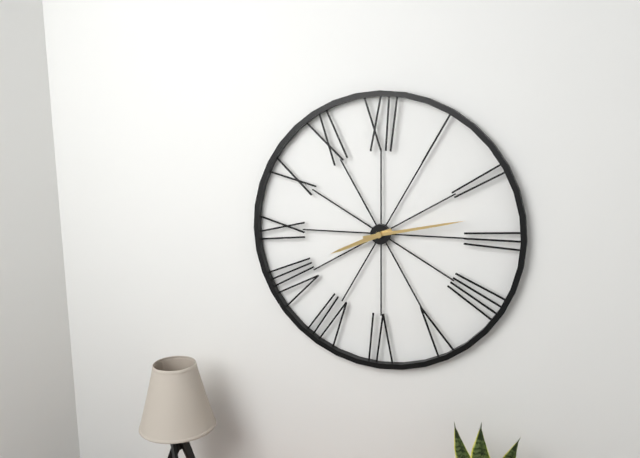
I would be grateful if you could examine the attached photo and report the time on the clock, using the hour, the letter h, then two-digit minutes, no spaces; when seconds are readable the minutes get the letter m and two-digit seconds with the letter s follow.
8h13
